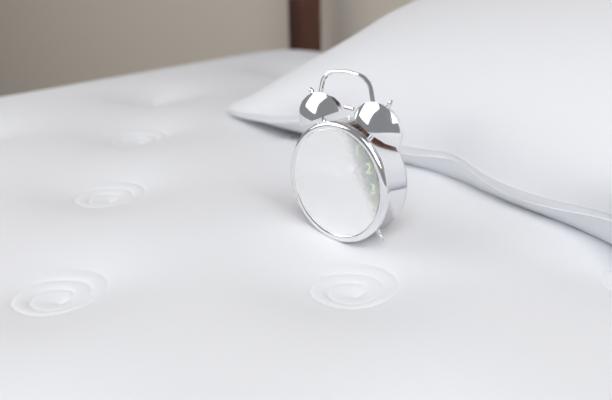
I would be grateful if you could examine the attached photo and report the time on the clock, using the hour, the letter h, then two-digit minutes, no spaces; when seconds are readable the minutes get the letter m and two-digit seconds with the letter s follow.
12h45m26s
